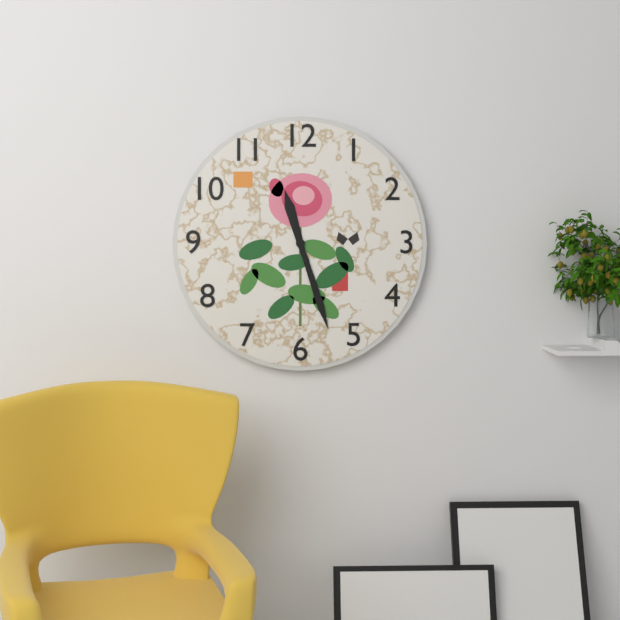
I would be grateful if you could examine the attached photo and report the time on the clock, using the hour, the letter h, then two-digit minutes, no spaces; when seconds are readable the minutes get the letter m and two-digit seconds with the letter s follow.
11h27
